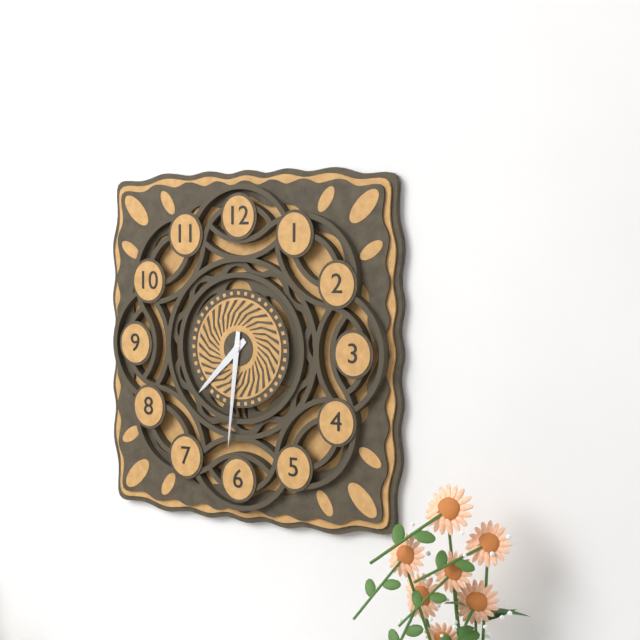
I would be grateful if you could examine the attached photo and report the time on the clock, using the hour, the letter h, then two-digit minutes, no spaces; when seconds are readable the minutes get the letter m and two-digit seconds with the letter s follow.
7h31
